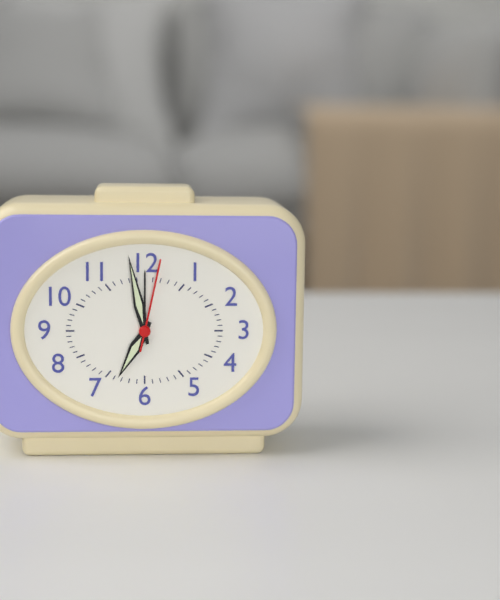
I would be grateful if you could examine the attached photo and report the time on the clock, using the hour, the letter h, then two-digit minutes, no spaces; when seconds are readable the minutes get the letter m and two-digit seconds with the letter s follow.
6h58m02s
